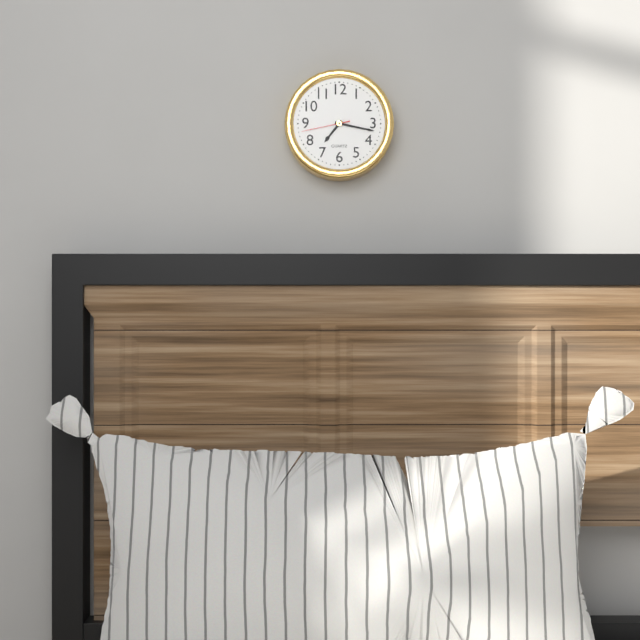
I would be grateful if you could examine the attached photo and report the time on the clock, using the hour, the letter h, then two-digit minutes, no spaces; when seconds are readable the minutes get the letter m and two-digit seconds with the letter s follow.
7h17
